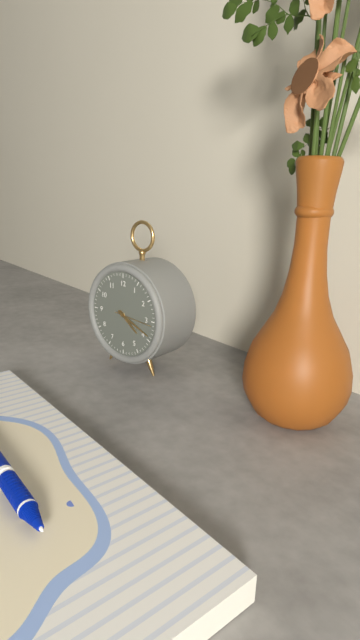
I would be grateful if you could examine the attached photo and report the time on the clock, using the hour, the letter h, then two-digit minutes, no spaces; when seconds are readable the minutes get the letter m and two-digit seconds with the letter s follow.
4h19
